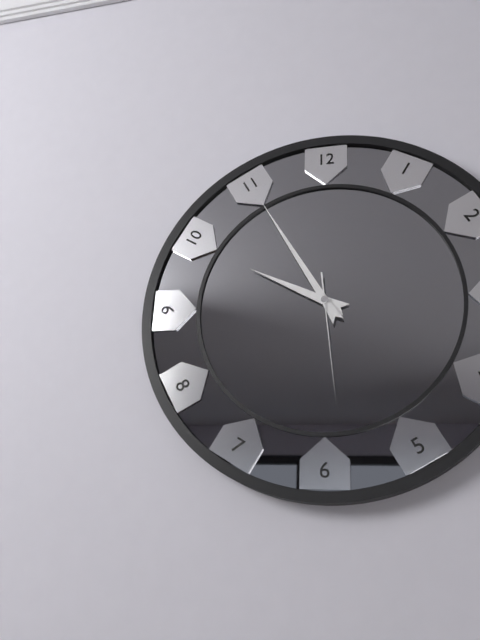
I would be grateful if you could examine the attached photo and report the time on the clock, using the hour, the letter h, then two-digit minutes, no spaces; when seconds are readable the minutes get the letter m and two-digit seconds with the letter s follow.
9h55m29s
